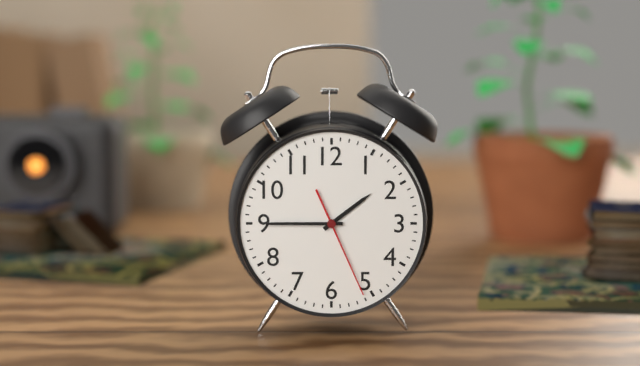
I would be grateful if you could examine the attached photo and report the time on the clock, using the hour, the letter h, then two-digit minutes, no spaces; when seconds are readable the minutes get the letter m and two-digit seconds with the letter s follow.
1h45m26s
